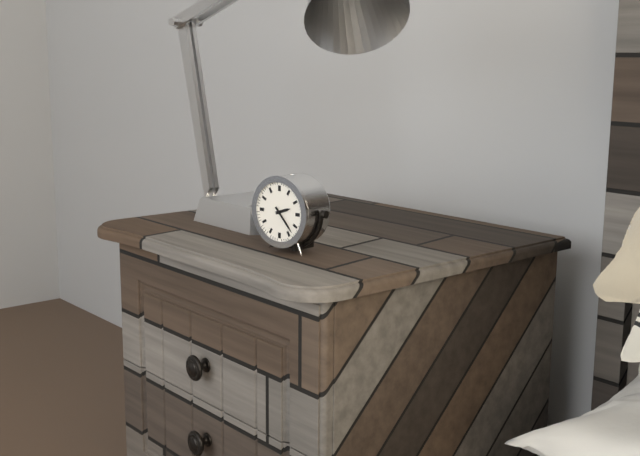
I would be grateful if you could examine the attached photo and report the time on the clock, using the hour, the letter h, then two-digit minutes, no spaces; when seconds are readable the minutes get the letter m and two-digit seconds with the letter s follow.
2h23
